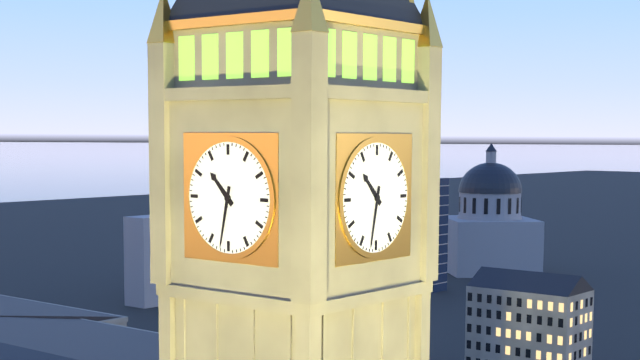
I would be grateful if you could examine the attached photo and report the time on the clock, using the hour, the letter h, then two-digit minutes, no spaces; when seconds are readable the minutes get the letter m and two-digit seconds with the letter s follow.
10h32
